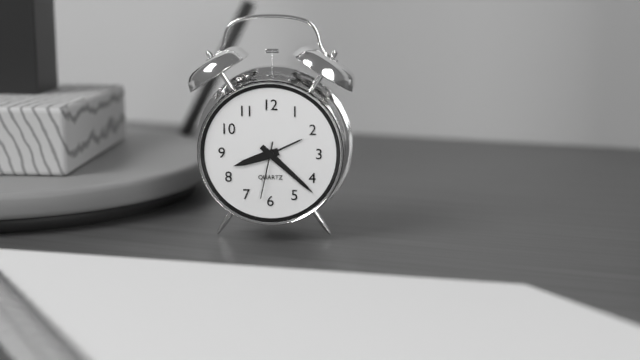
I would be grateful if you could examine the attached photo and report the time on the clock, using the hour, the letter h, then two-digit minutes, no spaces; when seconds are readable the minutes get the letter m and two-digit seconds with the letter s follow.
8h22m32s
